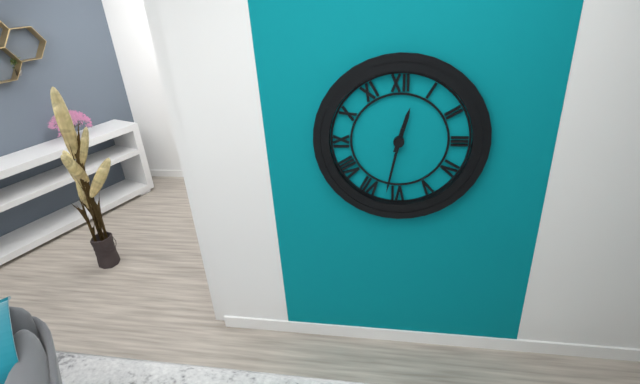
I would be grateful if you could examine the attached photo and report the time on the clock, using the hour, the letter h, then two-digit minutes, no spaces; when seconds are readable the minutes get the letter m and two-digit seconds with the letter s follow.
12h32
